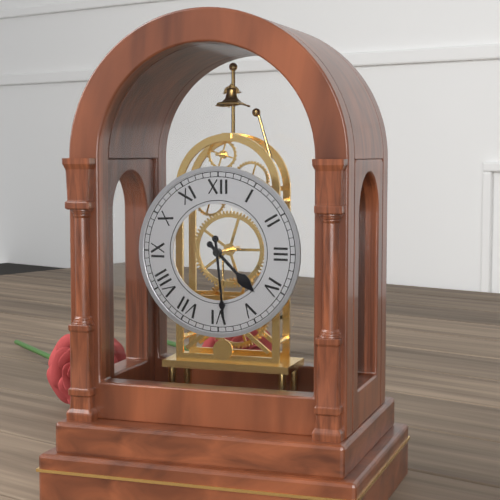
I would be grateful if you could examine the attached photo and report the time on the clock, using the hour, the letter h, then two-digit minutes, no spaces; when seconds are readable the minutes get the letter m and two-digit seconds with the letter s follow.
4h29
